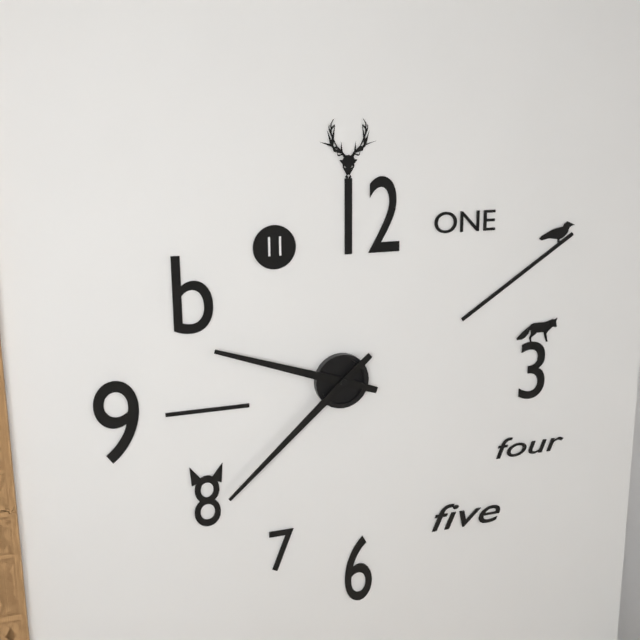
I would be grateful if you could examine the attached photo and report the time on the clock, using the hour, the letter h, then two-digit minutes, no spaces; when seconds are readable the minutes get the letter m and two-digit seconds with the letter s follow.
9h38
